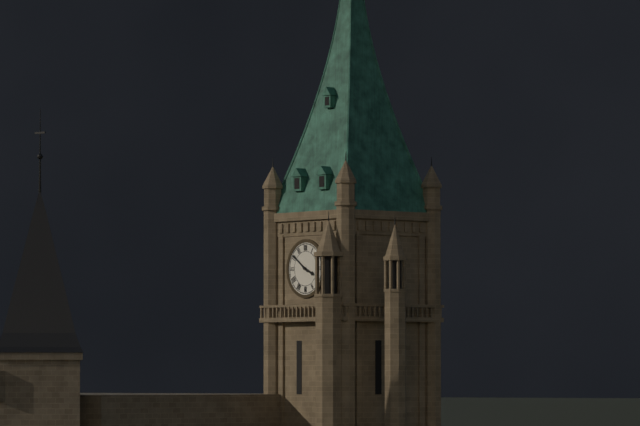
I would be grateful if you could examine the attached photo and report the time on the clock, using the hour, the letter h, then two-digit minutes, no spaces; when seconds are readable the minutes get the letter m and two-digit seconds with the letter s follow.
3h51
